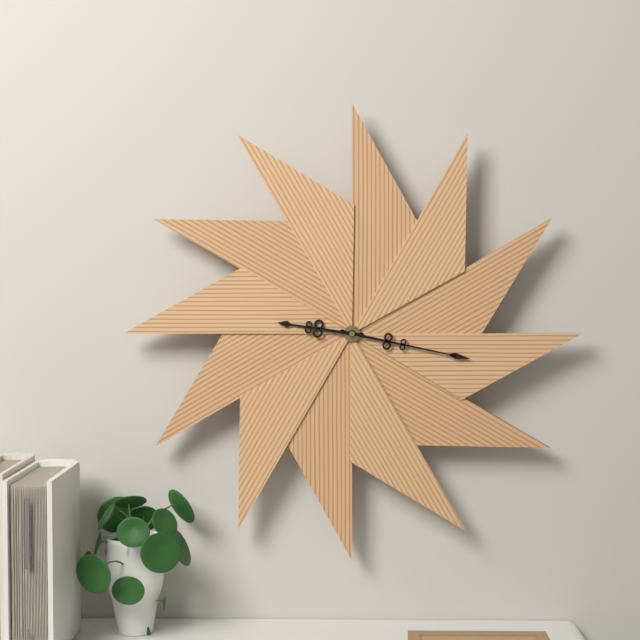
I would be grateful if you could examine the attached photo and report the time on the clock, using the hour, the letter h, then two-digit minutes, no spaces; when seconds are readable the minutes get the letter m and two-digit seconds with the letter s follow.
9h17
